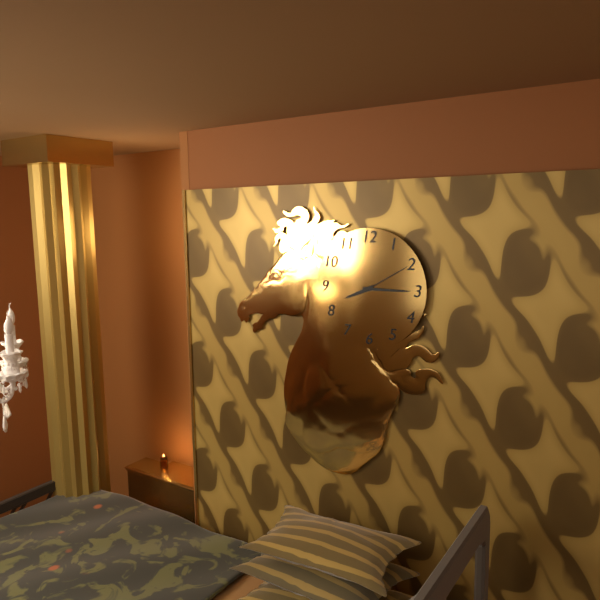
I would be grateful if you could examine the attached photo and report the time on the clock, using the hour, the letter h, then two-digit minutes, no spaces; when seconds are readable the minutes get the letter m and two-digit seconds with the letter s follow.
8h15m10s
